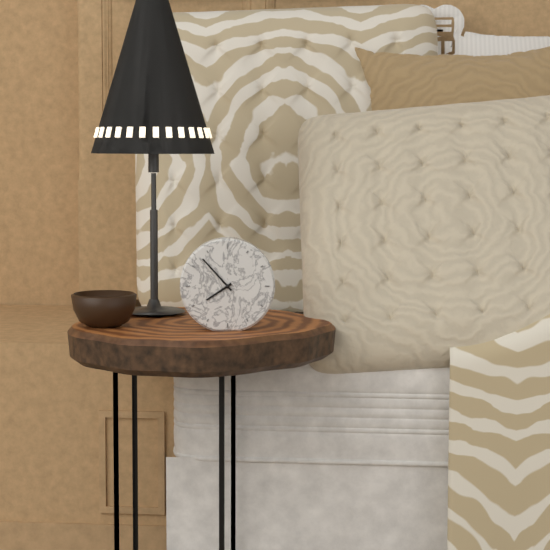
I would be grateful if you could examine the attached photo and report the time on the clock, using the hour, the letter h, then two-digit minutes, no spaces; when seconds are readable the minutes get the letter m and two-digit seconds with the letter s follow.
7h53
